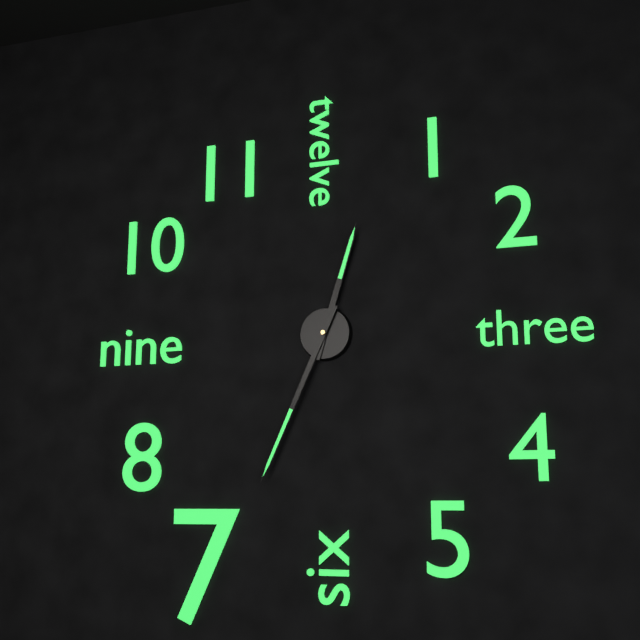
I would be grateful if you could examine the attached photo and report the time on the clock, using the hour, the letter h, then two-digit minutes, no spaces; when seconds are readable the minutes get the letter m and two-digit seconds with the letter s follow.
12h34
